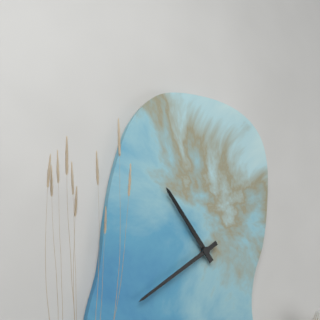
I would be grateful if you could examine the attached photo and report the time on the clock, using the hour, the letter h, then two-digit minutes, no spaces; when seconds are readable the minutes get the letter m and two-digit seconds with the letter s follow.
10h39
